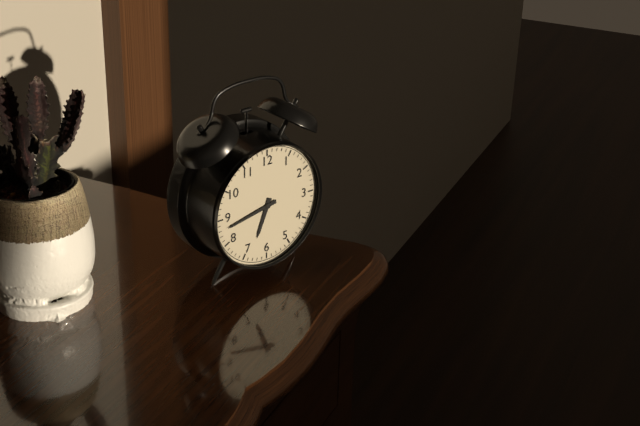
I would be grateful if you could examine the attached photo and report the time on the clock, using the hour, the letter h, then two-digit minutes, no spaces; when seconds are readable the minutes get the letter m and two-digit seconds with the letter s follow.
6h43
